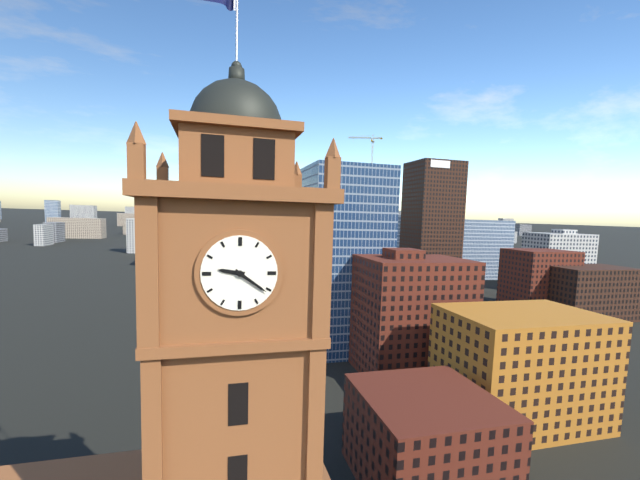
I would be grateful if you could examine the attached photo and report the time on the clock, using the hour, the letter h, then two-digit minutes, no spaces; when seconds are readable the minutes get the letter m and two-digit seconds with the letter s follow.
9h21
